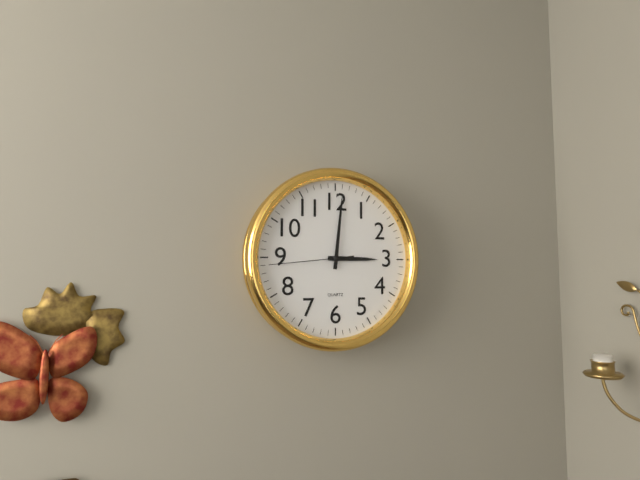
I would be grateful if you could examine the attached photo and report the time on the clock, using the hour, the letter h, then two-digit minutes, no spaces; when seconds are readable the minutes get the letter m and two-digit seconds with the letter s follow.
3h01m44s
